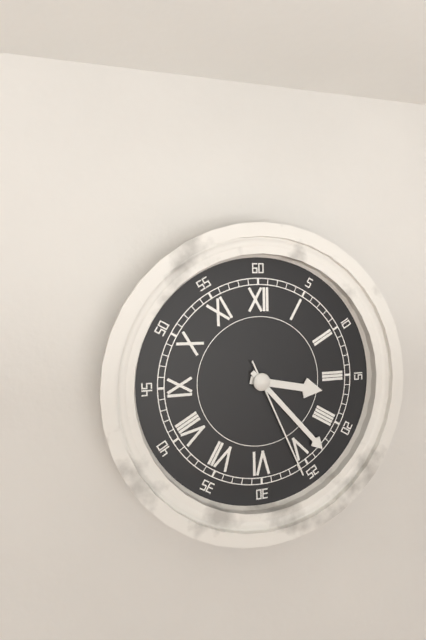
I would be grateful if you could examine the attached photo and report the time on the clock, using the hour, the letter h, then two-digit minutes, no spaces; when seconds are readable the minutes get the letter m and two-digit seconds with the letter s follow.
3h23m26s
